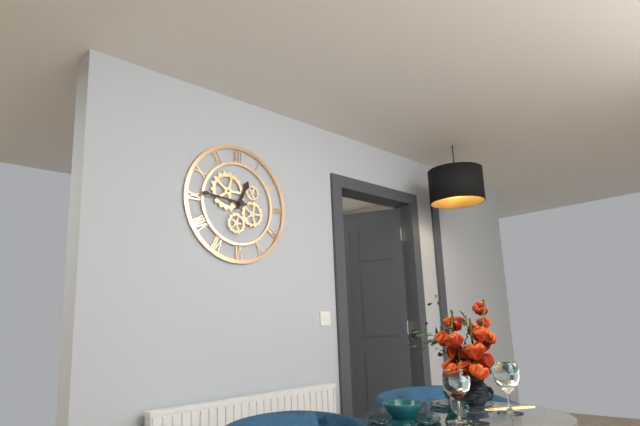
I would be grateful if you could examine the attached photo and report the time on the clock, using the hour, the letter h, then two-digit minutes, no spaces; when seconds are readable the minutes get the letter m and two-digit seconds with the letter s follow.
12h46
